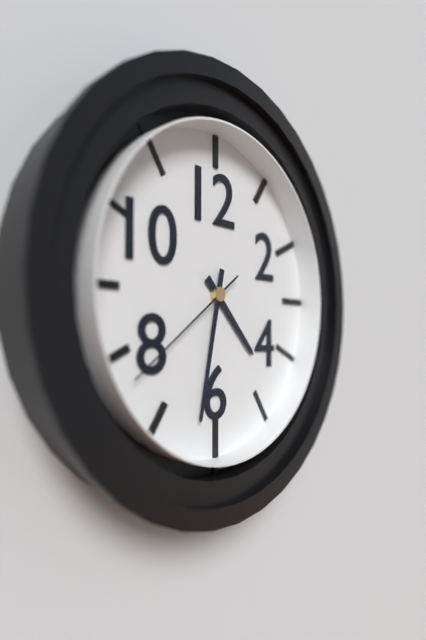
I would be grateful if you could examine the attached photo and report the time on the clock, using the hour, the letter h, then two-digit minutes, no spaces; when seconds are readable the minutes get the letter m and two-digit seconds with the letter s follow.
4h32m39s
